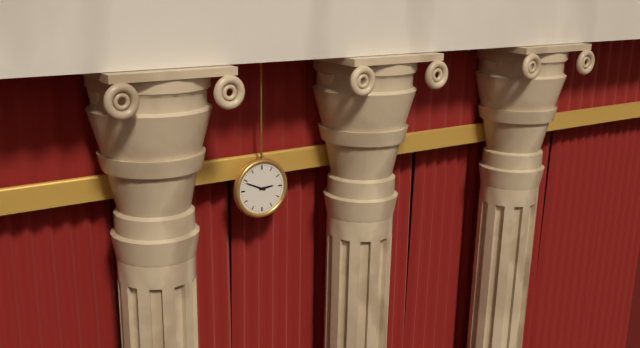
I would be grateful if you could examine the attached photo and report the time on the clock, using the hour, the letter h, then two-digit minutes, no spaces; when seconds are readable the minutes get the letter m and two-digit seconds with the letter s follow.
2h49
